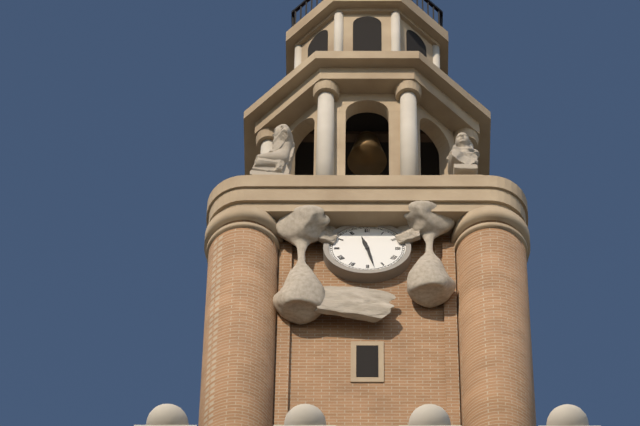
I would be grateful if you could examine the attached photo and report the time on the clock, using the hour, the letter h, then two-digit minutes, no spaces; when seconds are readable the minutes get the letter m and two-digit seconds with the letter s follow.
11h28
